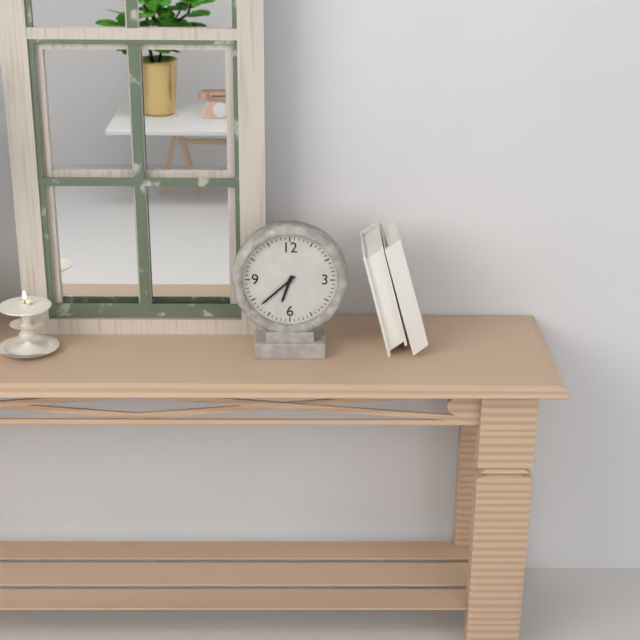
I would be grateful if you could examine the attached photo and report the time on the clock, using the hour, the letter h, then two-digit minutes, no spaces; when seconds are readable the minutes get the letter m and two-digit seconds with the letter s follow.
6h38
